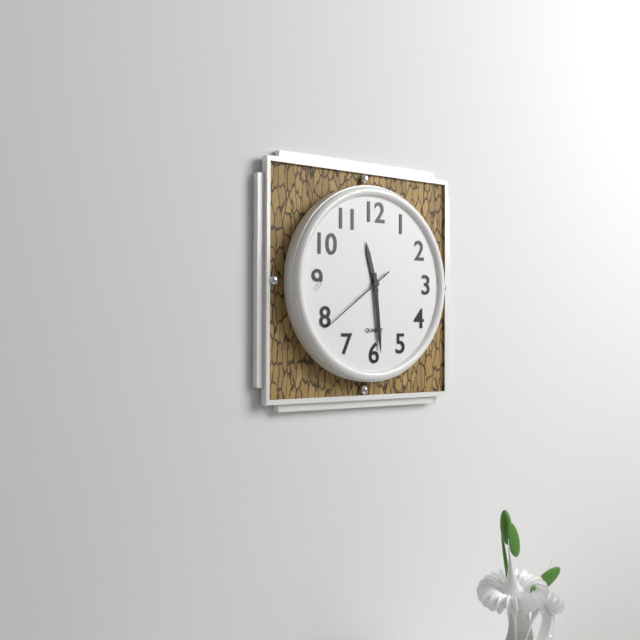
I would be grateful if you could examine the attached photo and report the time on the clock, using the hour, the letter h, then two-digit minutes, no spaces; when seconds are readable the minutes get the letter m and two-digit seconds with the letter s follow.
11h29m39s
